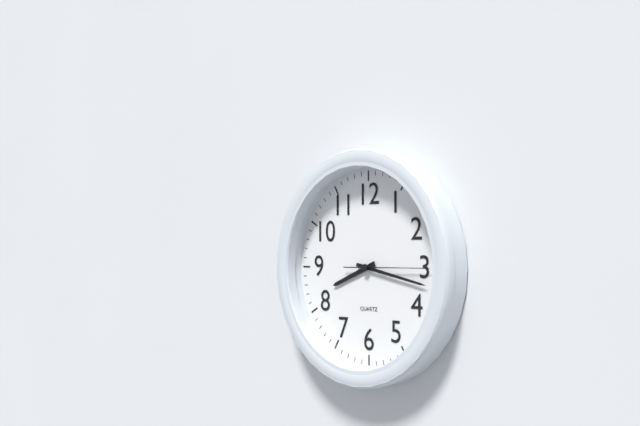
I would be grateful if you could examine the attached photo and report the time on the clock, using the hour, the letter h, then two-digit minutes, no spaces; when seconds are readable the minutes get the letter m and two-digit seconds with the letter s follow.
8h17m15s
